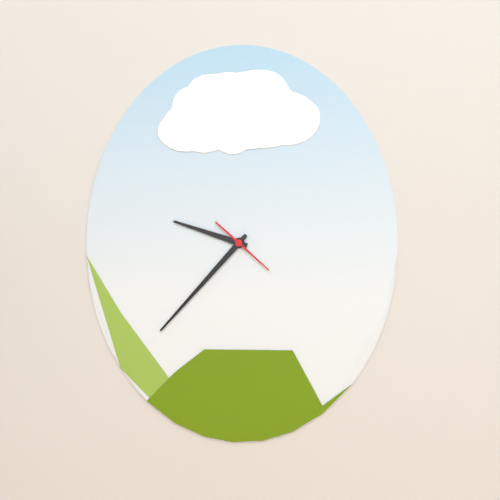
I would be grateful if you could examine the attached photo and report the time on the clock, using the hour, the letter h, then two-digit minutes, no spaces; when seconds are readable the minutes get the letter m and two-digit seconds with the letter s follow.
9h37m22s
